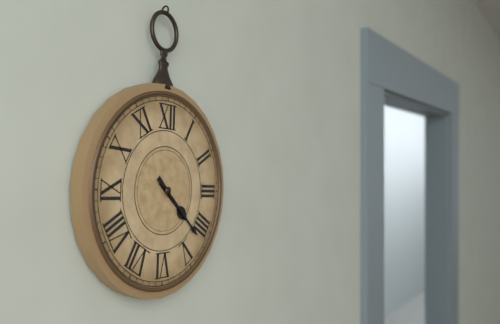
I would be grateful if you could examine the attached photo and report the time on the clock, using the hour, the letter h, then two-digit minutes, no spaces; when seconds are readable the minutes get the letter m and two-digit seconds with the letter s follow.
4h22
